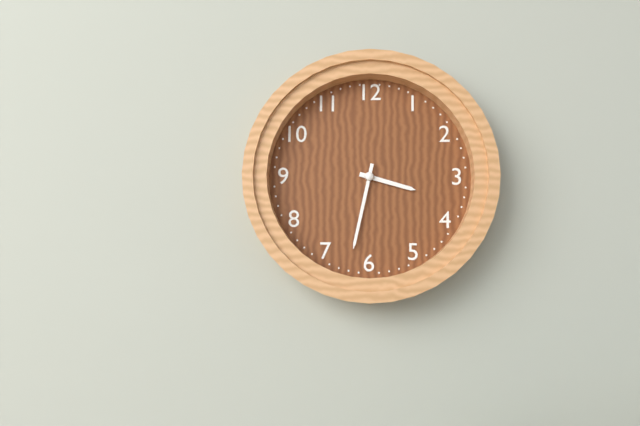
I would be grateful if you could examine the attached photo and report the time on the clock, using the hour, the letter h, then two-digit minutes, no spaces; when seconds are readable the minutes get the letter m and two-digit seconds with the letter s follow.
3h32
